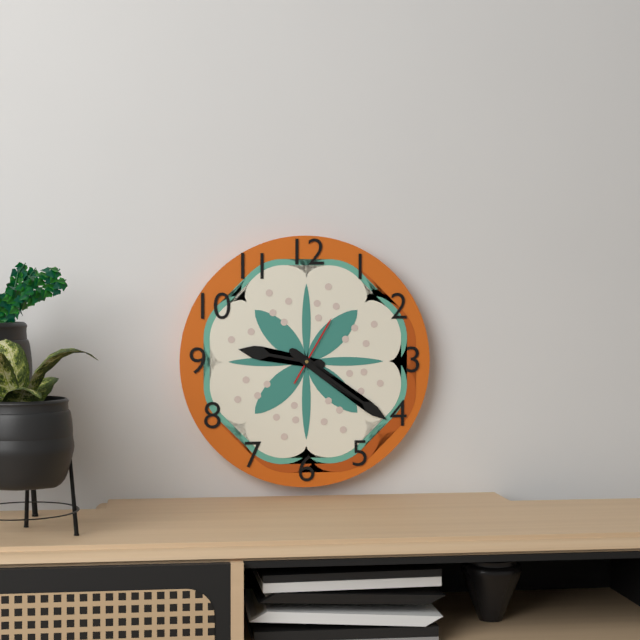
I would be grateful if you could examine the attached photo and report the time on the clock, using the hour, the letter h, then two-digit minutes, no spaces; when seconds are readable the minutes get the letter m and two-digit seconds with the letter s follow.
9h21m05s
